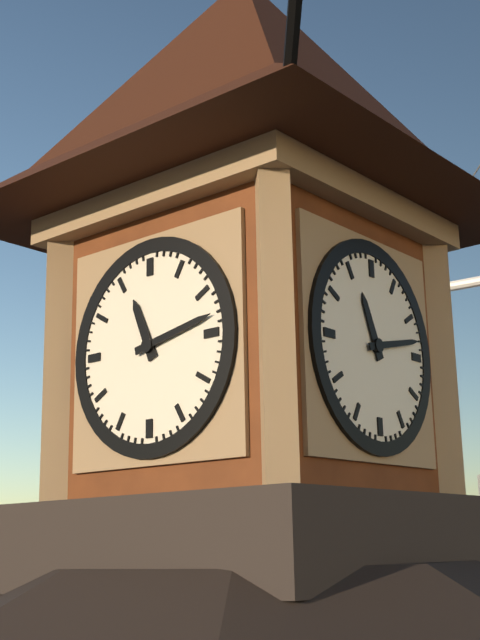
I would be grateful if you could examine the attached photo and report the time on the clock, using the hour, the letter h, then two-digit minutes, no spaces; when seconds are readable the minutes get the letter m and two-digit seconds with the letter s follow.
11h13
